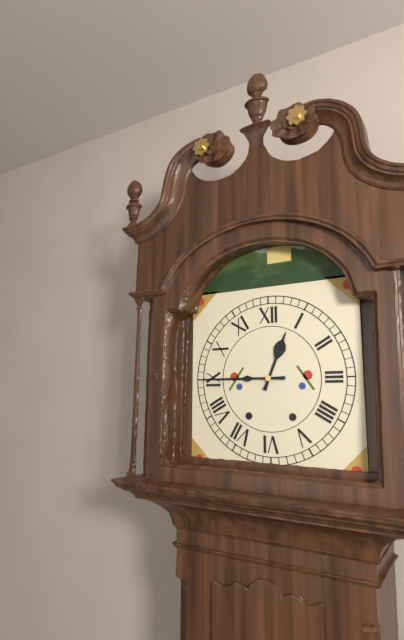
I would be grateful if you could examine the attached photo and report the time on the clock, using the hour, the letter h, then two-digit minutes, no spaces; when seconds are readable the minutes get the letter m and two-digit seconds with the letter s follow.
12h45
